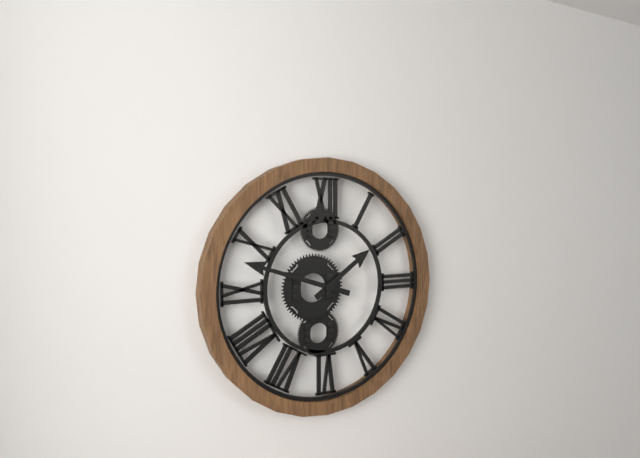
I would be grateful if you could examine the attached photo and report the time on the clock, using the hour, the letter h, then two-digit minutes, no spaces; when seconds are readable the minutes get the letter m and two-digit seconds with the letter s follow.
1h48
